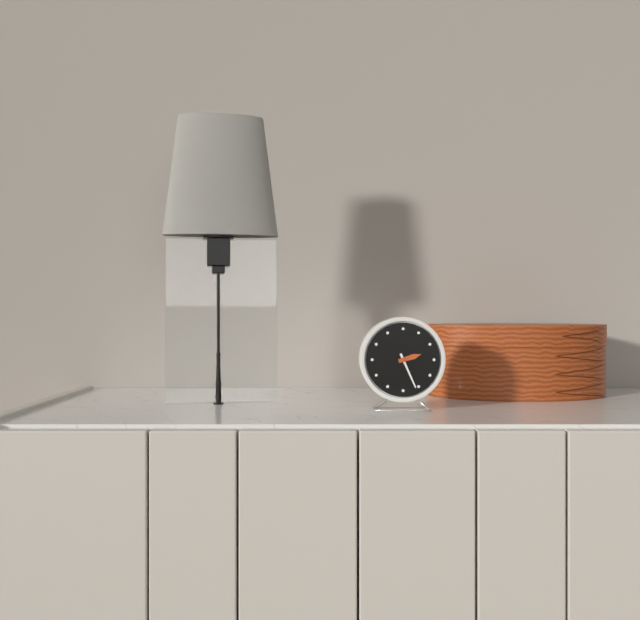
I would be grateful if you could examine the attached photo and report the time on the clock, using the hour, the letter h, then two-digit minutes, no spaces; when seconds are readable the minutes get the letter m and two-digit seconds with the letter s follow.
2h26
